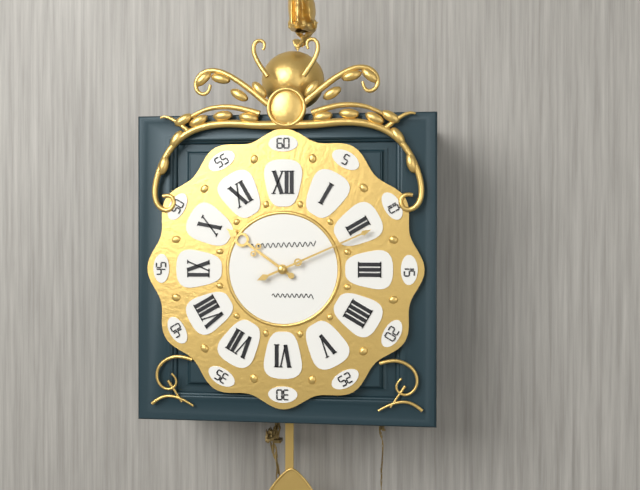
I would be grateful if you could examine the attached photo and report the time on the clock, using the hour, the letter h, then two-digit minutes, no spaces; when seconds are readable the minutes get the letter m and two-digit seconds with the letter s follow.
10h11
